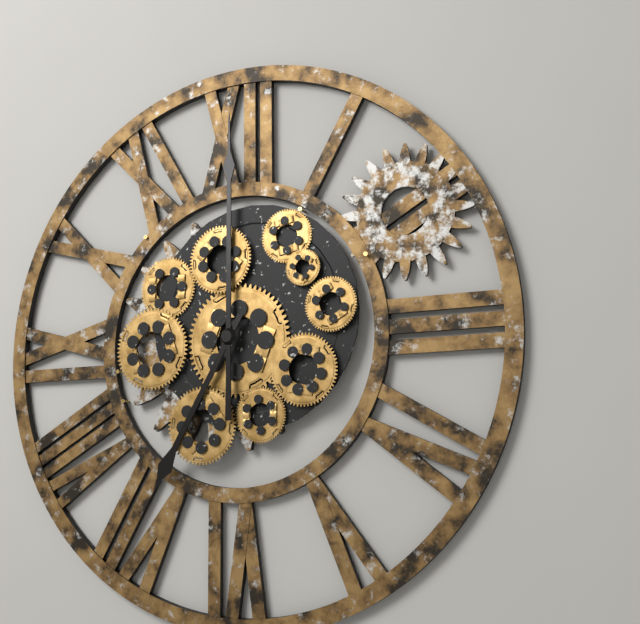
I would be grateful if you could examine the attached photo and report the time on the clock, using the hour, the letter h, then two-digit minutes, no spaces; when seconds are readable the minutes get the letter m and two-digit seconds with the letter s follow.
7h00
